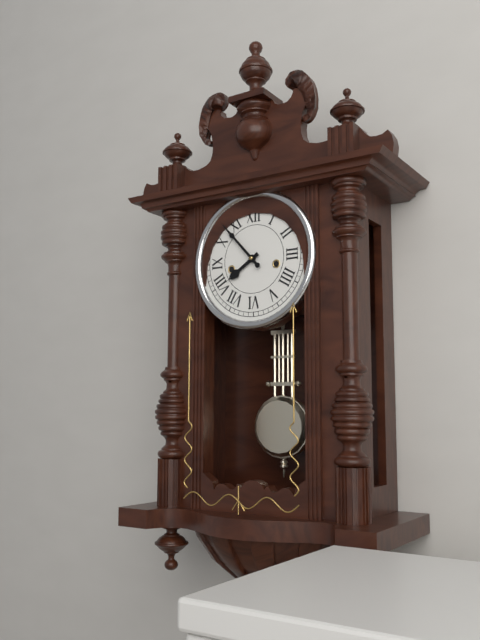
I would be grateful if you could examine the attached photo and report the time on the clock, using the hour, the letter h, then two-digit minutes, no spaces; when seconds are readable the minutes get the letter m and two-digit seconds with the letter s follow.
7h53
